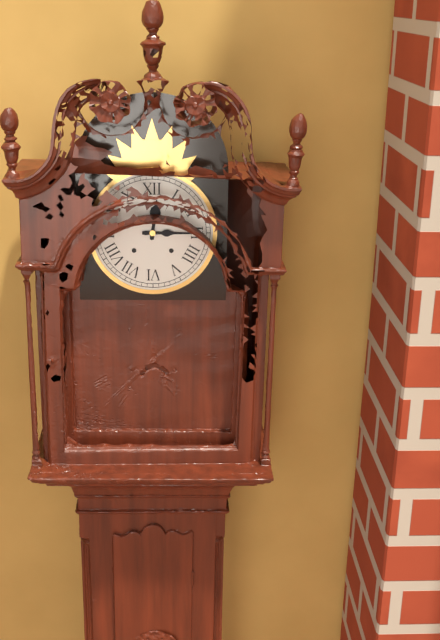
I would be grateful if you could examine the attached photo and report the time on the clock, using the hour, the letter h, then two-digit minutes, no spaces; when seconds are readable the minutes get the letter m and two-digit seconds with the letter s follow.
12h15
